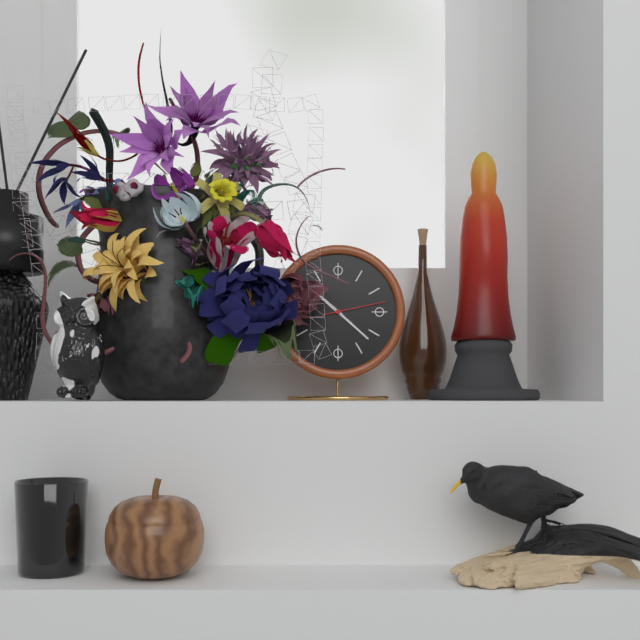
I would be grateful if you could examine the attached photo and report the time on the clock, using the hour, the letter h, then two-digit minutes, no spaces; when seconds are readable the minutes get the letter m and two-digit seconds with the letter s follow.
10h22m13s
